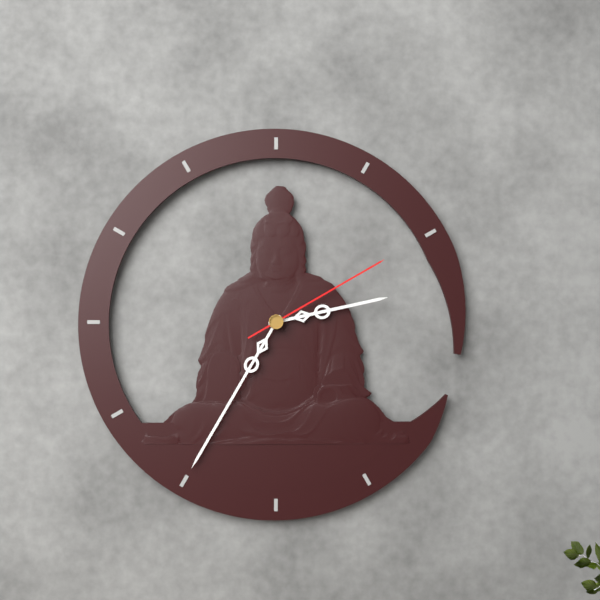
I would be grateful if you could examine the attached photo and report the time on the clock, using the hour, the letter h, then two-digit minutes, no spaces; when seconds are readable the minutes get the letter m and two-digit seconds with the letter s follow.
2h35m10s
